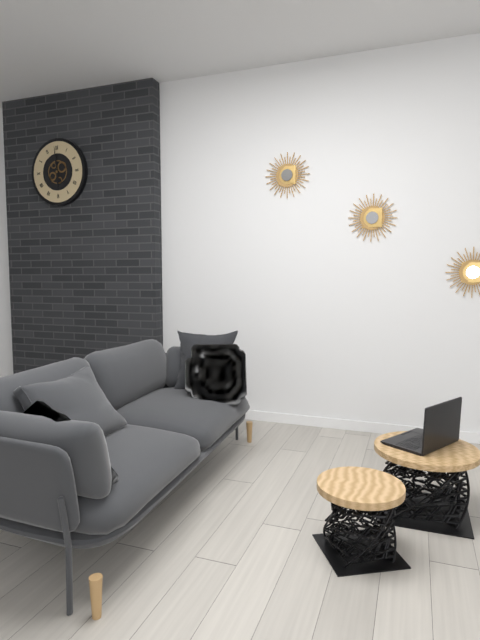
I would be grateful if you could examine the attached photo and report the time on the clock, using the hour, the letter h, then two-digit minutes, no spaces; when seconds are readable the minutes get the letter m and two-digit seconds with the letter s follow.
5h59
